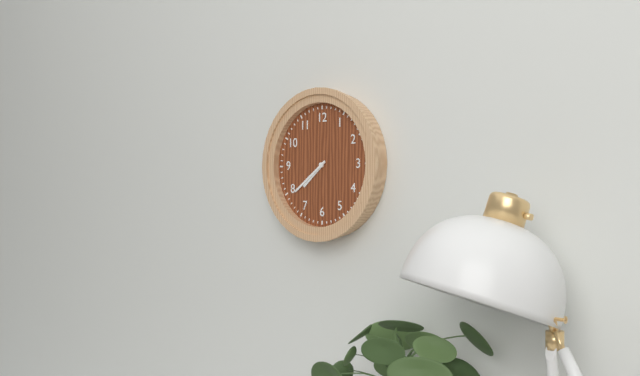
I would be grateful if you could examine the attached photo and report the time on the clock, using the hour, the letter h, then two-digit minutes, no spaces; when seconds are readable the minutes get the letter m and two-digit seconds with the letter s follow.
7h39
